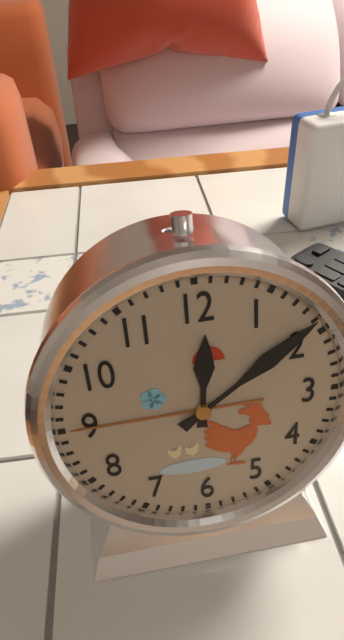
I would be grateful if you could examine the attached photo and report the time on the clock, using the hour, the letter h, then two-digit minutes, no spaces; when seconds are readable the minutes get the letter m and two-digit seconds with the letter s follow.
12h09
